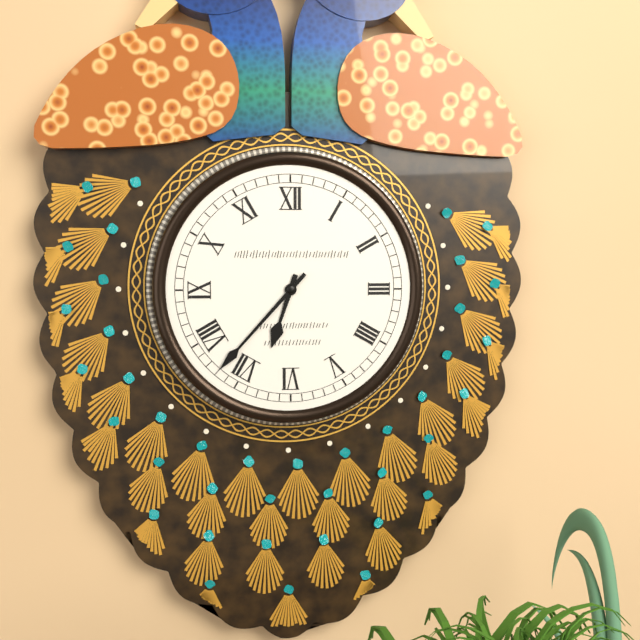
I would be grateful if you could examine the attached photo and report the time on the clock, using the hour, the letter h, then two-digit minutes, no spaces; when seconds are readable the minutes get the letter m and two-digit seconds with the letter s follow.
6h37
